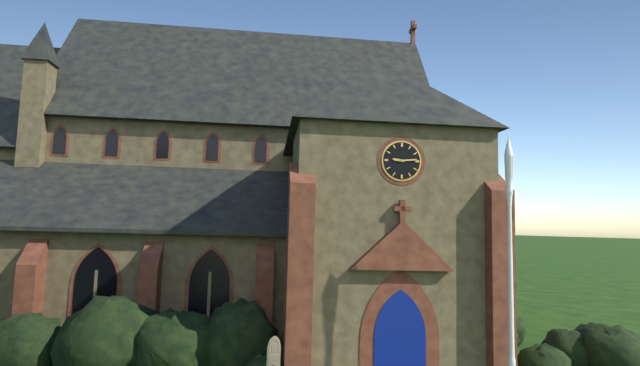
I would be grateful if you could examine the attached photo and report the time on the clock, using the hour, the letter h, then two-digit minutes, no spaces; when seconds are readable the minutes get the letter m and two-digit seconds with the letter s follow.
9h14
